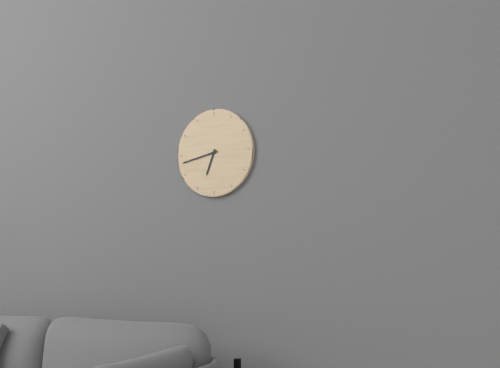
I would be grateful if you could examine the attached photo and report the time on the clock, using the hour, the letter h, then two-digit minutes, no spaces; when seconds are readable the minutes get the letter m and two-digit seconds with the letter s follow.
6h43
